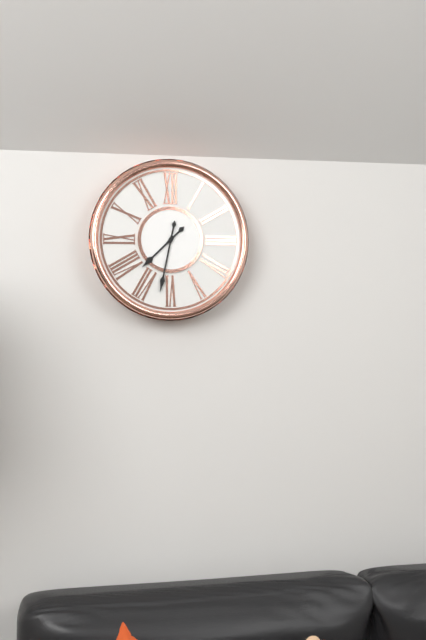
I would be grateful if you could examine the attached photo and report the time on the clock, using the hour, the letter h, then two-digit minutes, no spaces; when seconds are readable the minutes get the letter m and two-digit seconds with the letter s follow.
7h32
